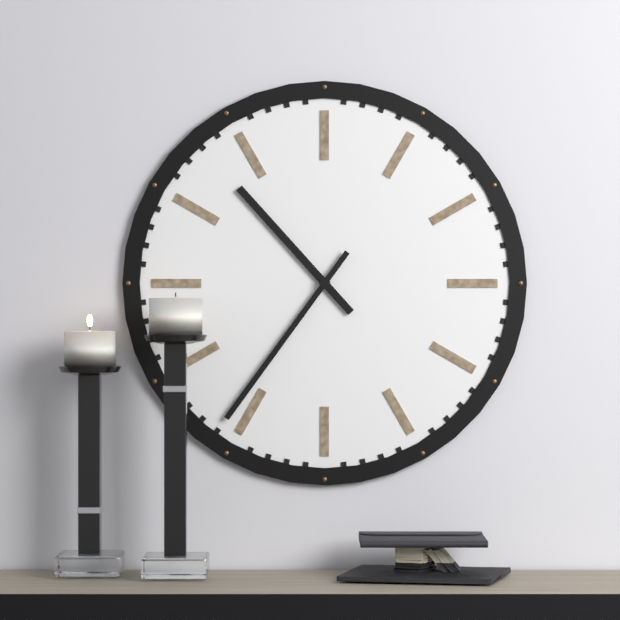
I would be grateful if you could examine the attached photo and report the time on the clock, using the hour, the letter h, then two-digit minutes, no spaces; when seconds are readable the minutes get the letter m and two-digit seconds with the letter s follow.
10h36
